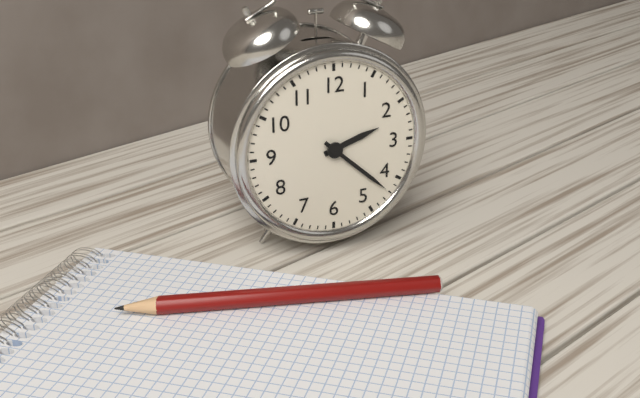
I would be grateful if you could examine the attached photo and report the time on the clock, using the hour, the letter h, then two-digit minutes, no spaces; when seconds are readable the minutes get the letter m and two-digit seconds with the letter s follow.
2h22
